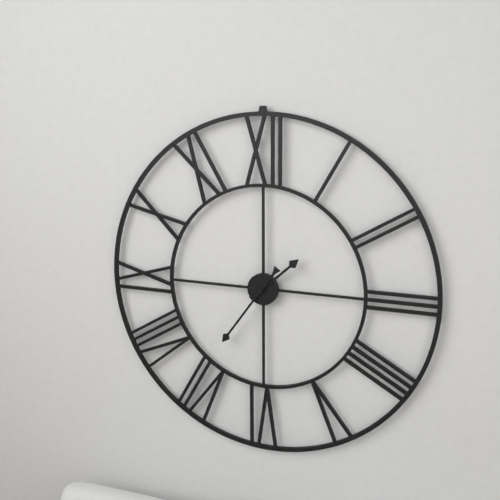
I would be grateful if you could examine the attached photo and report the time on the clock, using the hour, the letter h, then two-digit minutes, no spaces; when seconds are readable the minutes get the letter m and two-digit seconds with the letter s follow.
1h36
